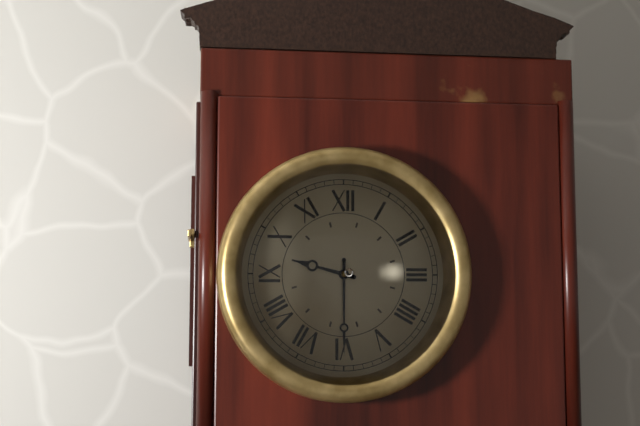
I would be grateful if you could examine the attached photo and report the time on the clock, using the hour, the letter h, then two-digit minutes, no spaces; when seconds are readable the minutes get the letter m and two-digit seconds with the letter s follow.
9h30
